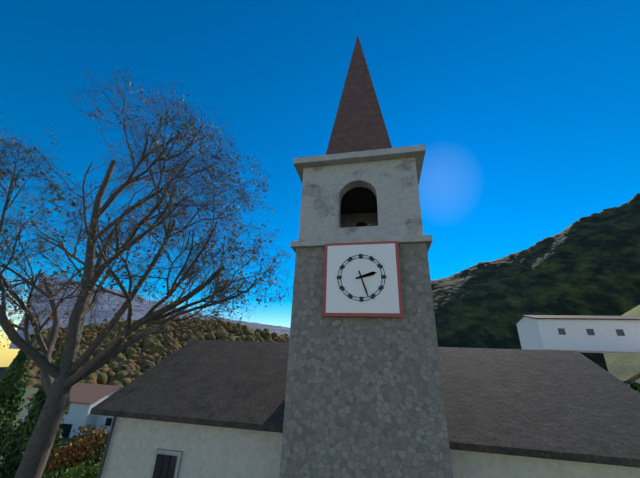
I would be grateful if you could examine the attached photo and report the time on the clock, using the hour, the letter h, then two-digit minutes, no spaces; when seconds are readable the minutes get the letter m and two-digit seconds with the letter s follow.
2h27
